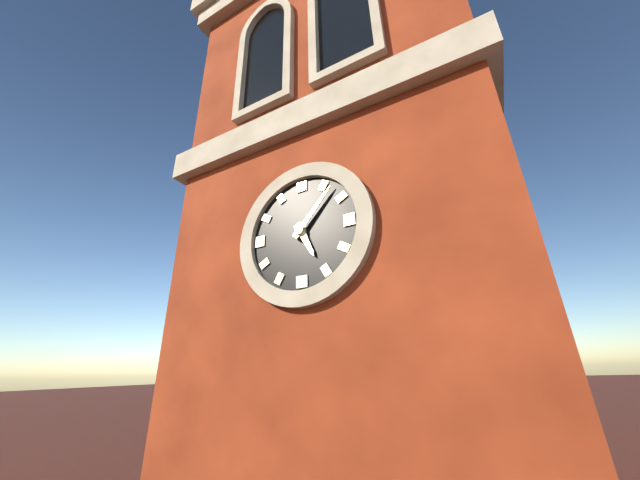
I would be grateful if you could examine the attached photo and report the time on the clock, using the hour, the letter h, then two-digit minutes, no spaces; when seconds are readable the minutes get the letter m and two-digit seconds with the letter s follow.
5h07
